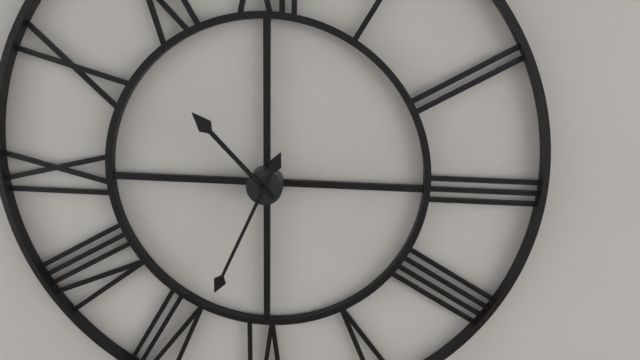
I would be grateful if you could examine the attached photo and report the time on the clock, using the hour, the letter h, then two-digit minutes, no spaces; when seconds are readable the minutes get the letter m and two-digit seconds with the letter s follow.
10h34
